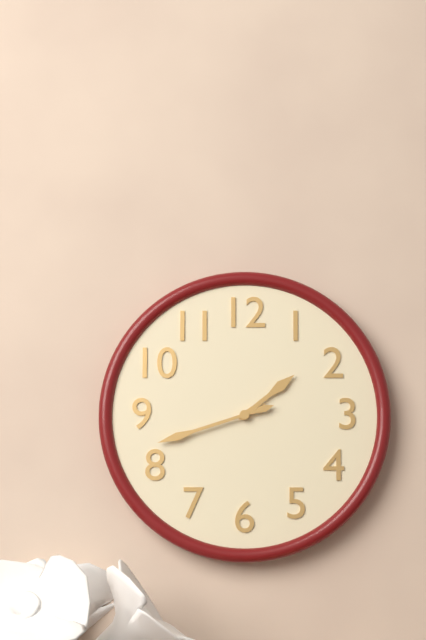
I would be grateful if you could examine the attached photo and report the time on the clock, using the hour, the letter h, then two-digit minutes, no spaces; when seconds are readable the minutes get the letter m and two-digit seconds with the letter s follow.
1h42
